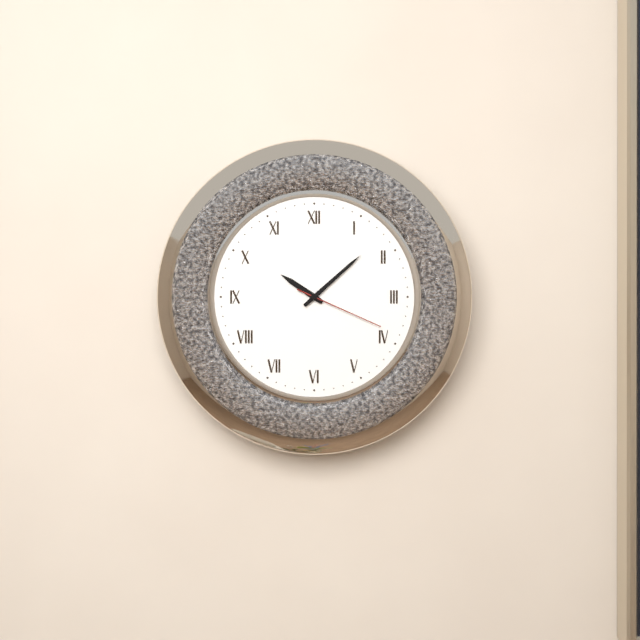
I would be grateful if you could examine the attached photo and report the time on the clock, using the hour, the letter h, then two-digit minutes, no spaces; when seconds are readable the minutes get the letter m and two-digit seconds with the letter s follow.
10h08m19s
